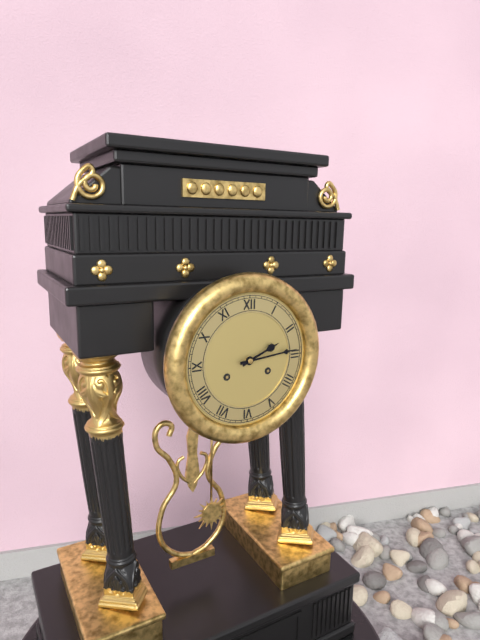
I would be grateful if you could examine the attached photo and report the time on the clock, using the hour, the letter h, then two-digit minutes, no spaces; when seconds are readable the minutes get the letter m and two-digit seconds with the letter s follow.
2h14
